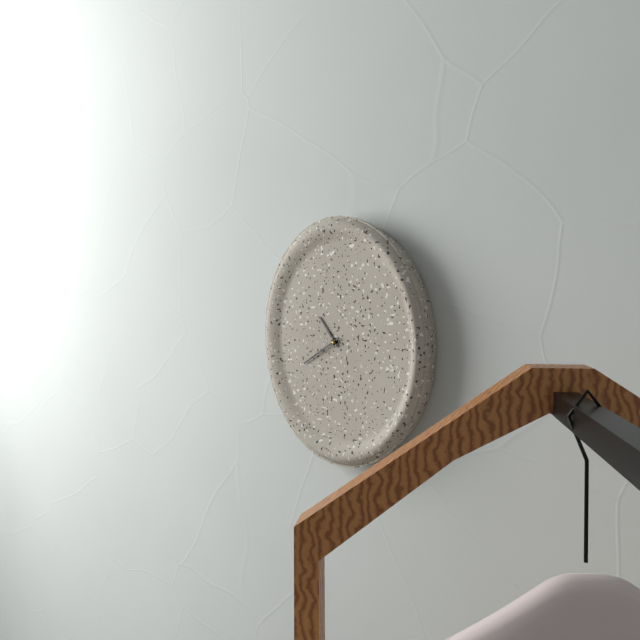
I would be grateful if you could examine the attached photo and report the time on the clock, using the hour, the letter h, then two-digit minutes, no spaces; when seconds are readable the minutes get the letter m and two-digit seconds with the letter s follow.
10h40
